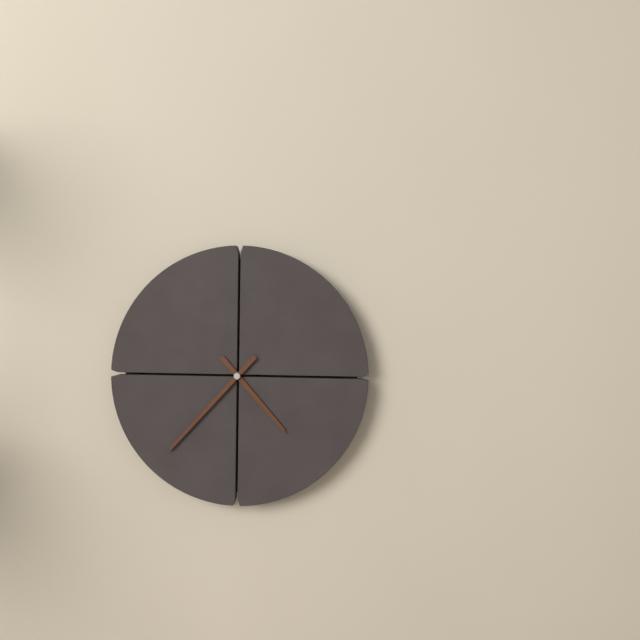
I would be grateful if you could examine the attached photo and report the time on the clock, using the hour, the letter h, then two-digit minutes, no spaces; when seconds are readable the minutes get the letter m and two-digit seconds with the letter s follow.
4h37
